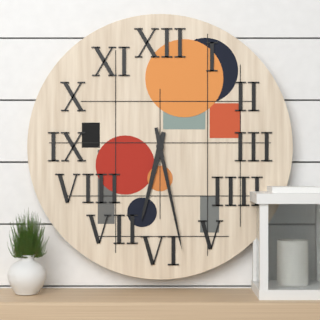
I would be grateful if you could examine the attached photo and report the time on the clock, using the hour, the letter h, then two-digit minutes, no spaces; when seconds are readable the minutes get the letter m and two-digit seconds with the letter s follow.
6h28
